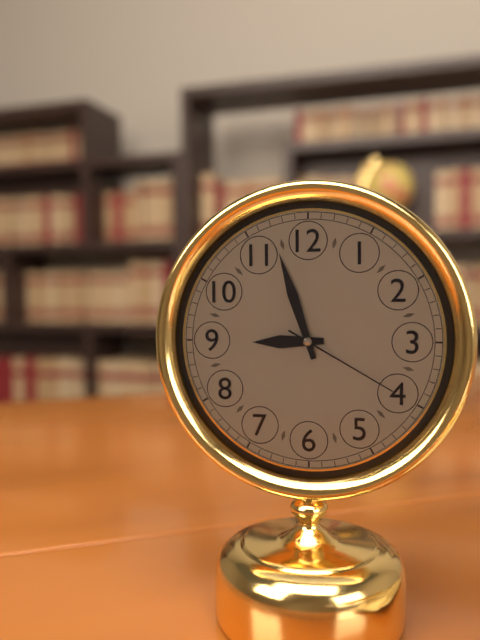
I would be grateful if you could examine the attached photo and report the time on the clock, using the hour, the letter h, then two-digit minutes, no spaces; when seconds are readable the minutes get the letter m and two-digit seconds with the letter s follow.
8h57m20s
